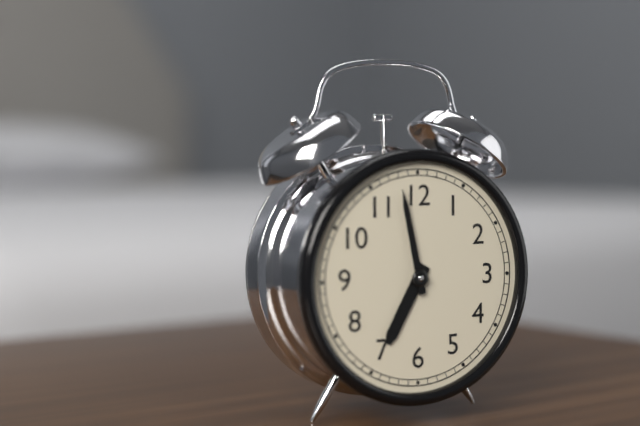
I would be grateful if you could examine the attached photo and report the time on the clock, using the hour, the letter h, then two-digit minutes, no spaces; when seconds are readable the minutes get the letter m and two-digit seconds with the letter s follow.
6h58
